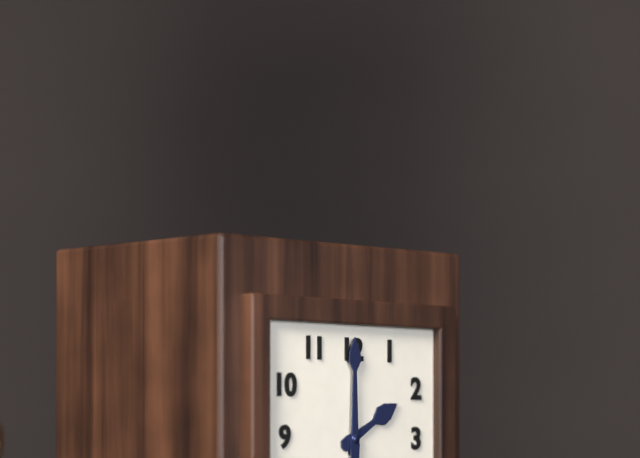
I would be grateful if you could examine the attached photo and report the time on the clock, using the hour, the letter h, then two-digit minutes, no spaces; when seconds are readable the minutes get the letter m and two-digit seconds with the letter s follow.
2h00
